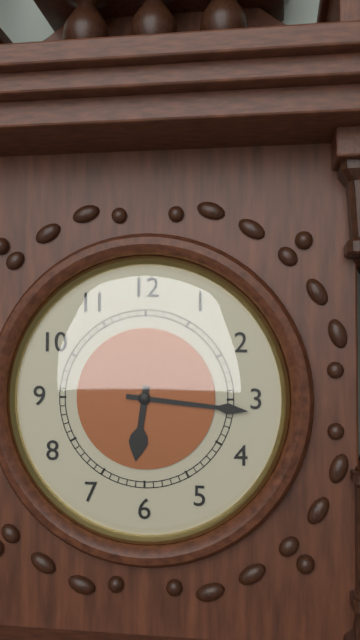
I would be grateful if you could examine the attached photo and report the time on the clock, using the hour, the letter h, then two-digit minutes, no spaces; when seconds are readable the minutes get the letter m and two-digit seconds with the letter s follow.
6h16
